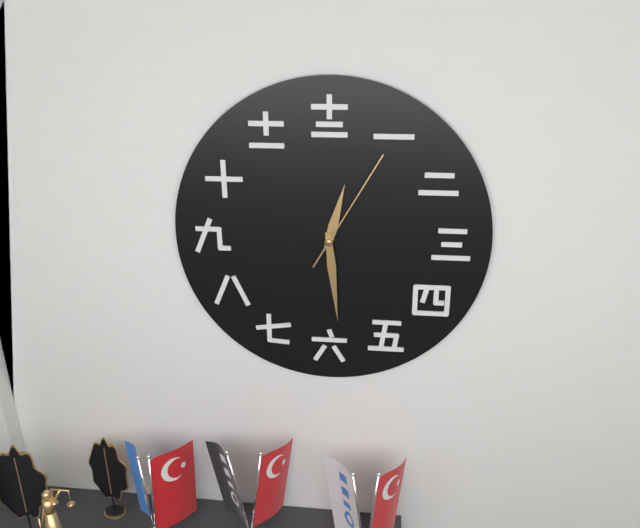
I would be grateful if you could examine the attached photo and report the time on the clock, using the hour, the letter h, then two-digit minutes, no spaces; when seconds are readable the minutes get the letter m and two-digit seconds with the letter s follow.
12h29m05s
